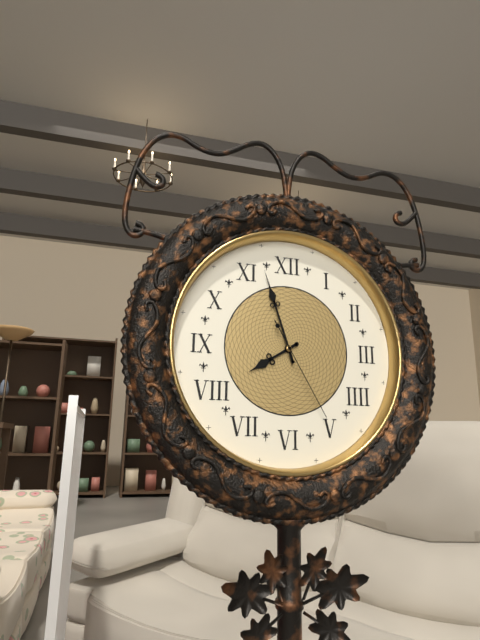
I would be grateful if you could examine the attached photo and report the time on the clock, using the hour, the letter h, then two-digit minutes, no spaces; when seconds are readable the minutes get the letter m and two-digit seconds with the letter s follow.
7h57m25s
